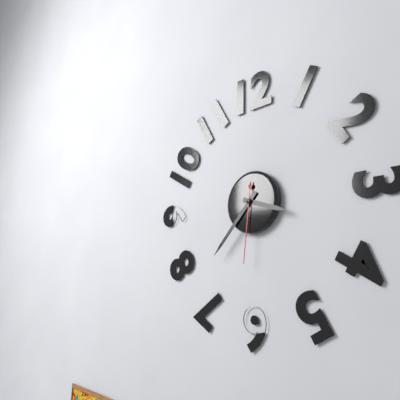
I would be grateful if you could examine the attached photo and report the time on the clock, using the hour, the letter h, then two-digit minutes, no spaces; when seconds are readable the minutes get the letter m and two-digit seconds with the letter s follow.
3h37m31s
